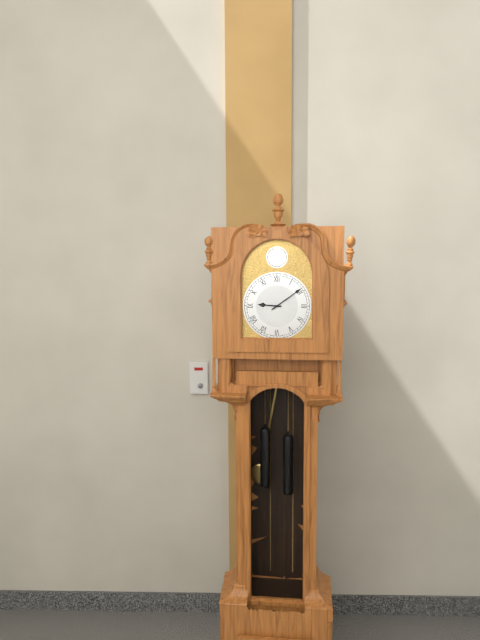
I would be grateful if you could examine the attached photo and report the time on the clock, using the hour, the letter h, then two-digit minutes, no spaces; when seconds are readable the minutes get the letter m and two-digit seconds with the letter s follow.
9h09
